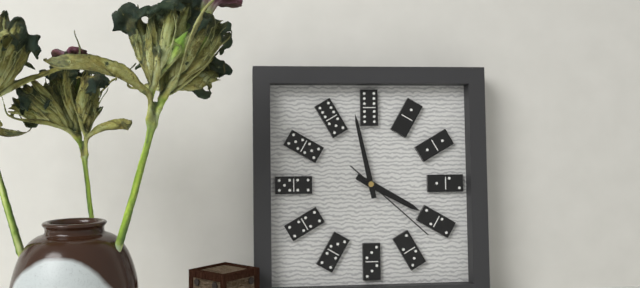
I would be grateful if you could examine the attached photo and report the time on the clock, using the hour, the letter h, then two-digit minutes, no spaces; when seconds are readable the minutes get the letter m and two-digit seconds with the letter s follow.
3h58m22s
